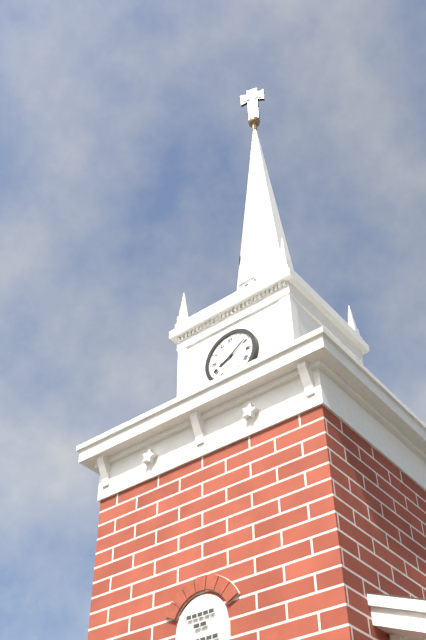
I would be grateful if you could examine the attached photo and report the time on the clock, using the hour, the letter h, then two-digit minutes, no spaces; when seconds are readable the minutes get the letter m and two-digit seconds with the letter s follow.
8h09
